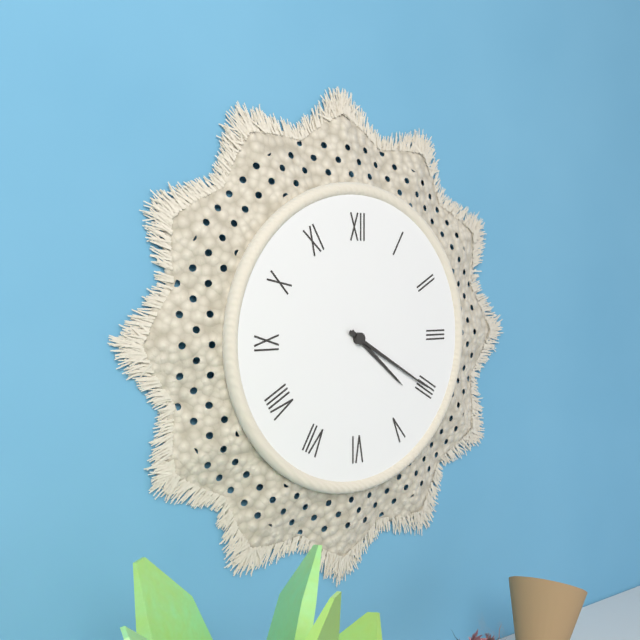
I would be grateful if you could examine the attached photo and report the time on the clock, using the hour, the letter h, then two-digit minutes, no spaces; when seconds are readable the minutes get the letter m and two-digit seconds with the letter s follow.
4h20
